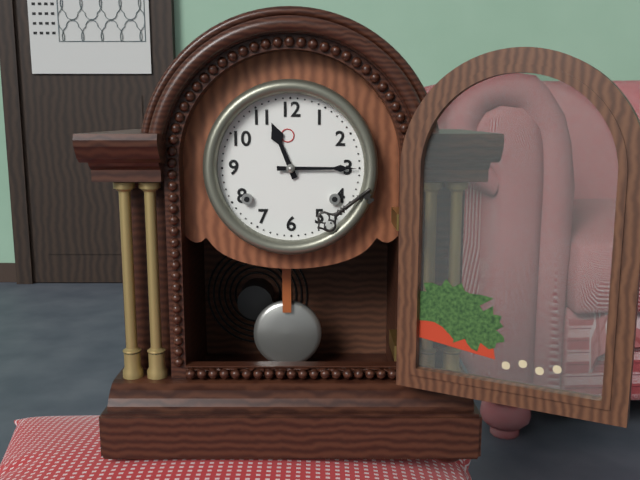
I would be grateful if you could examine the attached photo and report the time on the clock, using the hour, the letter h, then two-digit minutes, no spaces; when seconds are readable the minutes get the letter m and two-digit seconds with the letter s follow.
11h15
